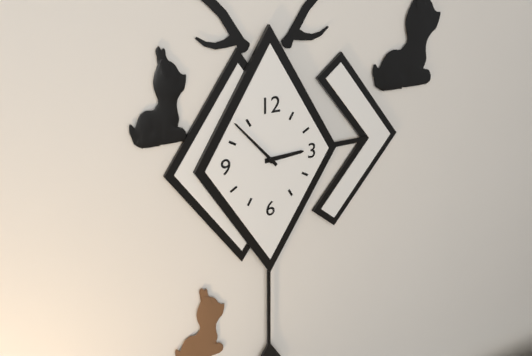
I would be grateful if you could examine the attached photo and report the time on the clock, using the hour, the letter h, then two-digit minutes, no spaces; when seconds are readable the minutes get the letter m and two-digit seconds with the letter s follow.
2h53
